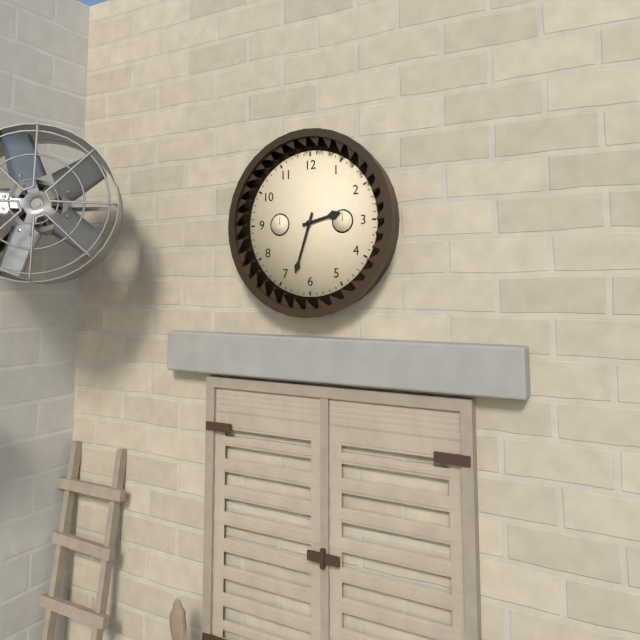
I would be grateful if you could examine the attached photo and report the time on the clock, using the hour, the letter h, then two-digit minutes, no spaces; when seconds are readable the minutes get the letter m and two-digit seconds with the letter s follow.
2h33
